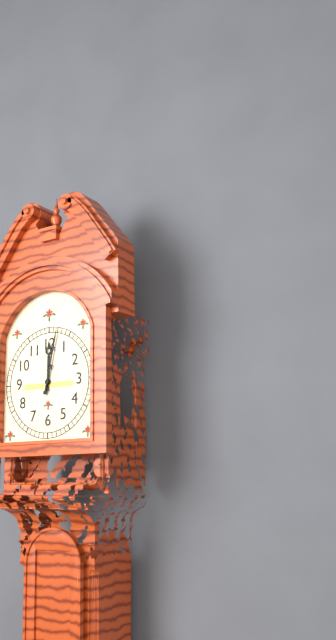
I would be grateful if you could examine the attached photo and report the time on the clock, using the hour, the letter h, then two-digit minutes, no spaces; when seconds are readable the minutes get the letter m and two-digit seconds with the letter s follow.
12h02
